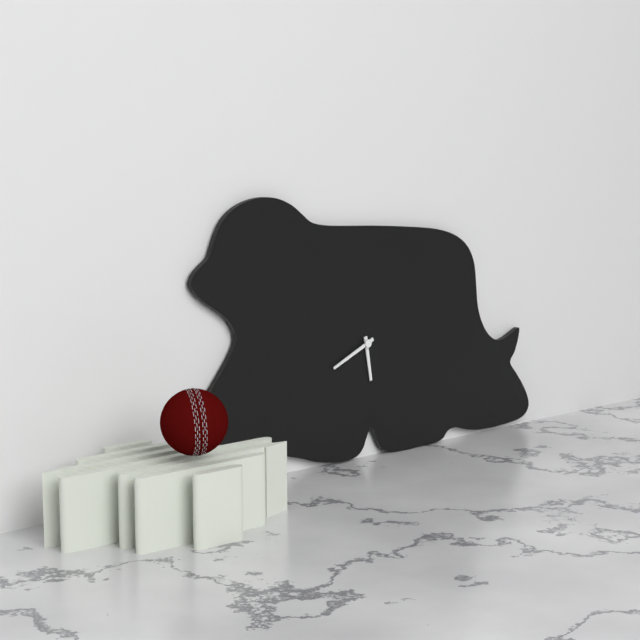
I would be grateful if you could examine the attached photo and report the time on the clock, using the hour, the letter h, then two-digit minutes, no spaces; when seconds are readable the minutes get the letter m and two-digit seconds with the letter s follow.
5h41
